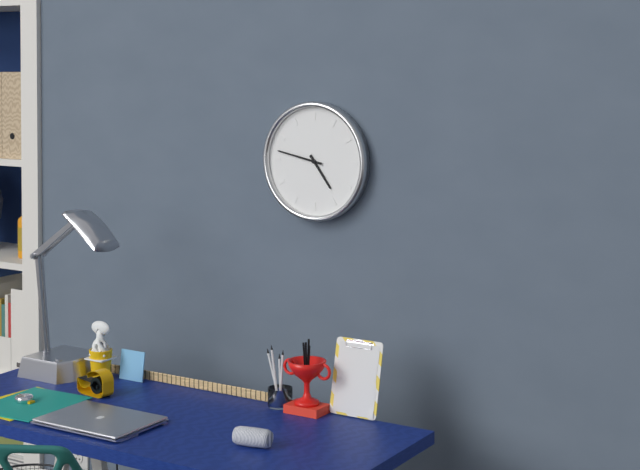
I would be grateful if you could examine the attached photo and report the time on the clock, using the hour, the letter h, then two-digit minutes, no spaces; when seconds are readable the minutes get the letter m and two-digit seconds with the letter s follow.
4h47
